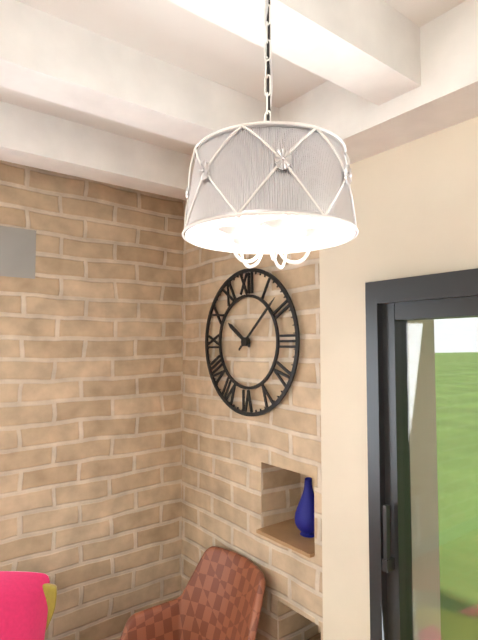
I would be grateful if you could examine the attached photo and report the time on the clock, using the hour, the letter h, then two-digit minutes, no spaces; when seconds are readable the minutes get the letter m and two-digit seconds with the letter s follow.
10h08
